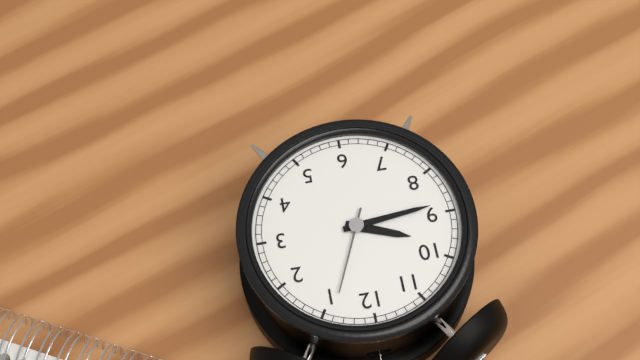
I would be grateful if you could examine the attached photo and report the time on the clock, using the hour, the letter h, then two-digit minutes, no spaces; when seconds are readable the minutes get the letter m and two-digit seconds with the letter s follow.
9h44m04s
